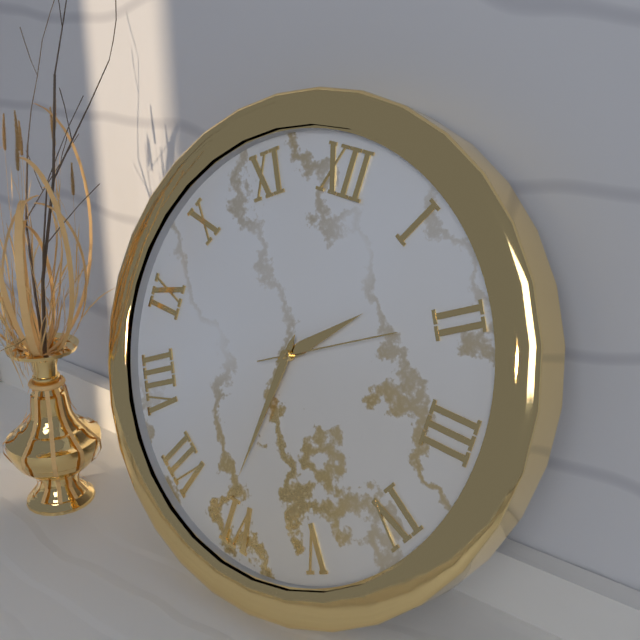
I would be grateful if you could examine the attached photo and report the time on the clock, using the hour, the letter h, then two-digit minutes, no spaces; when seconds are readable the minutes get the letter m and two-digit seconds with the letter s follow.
1h31m10s
